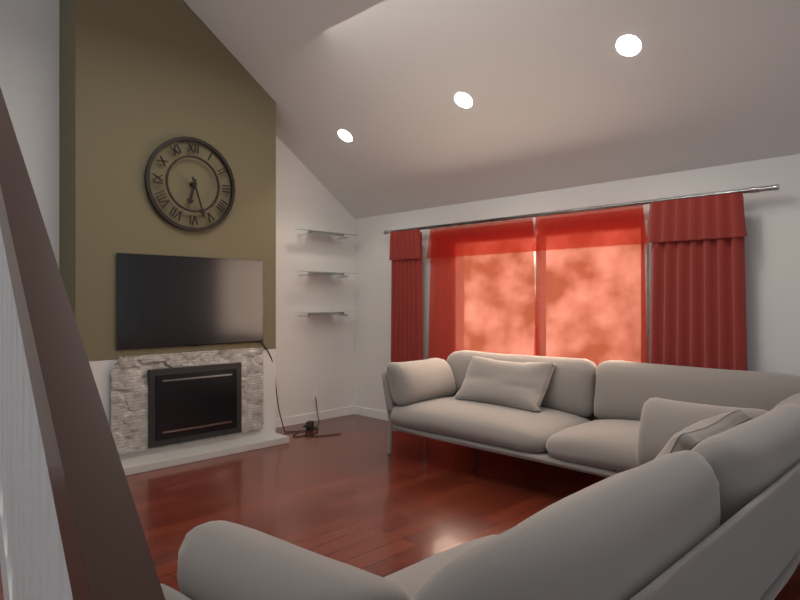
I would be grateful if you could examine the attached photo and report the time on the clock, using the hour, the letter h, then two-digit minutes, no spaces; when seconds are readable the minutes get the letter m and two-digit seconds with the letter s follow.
6h27
